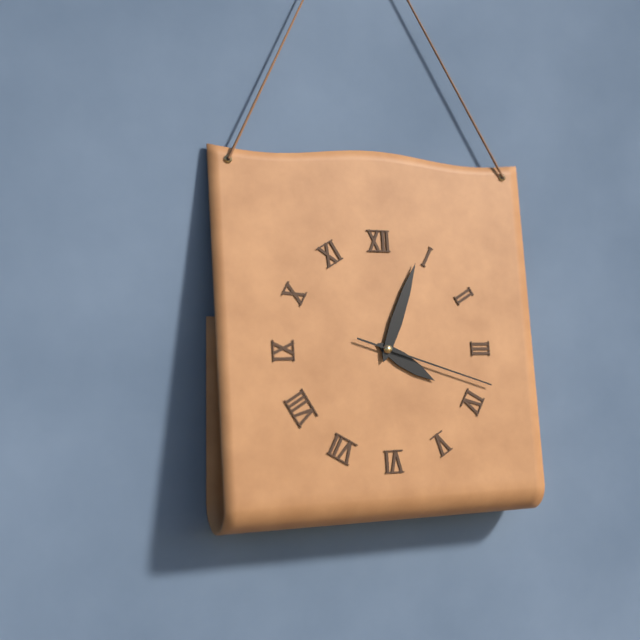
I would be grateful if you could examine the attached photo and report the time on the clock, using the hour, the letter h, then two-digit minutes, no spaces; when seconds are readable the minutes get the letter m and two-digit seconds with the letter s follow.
4h04m18s
